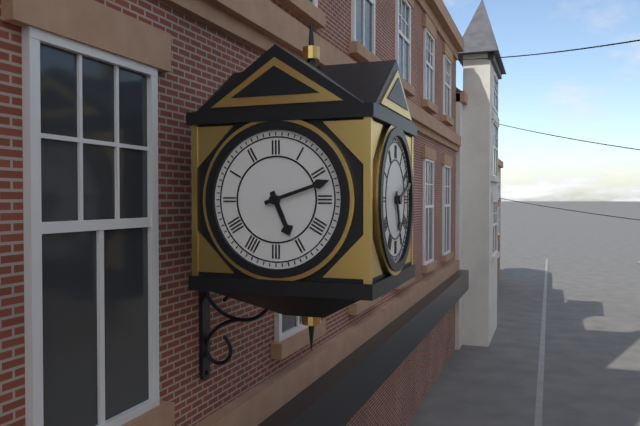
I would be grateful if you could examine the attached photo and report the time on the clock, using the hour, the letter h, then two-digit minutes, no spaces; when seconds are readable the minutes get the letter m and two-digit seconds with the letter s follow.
5h12
